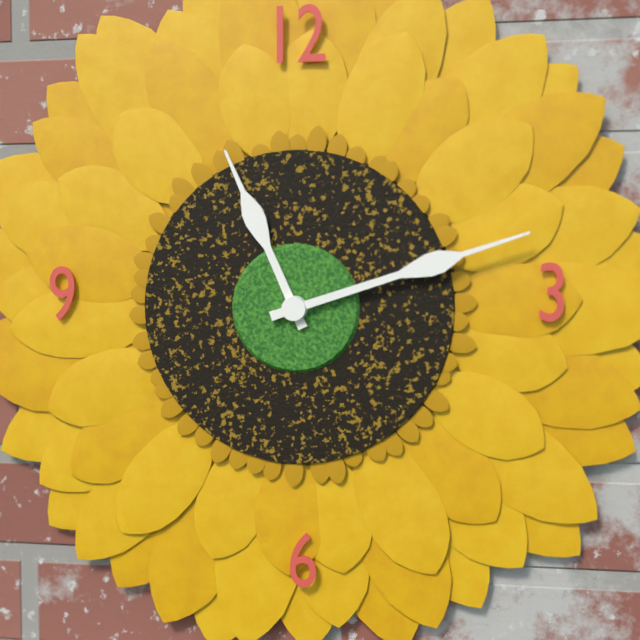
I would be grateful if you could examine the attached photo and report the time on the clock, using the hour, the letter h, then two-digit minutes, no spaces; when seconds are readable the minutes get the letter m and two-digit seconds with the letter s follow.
11h12
